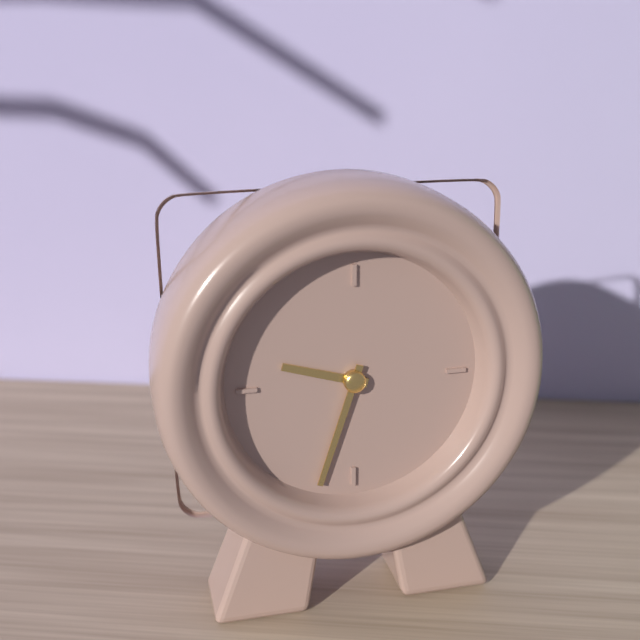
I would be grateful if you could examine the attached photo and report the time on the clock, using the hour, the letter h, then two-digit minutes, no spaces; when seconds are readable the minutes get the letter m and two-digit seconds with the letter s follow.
9h33
